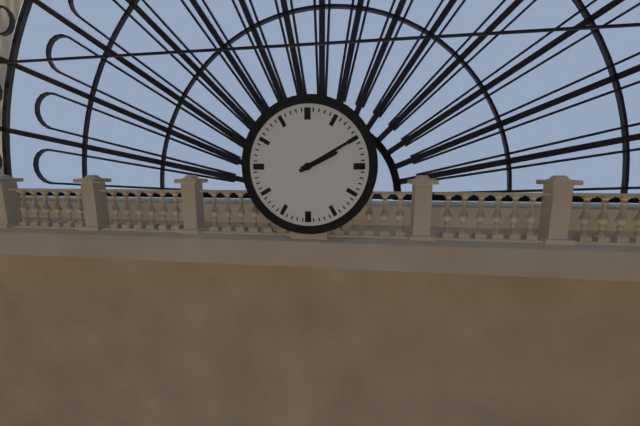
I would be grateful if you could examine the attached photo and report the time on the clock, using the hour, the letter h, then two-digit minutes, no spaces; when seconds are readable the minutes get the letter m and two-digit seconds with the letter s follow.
2h10
